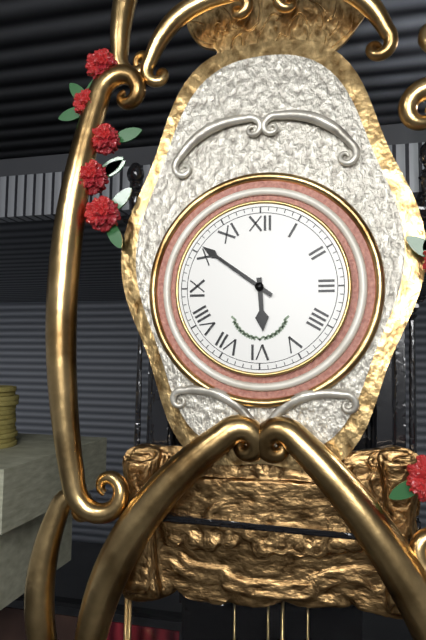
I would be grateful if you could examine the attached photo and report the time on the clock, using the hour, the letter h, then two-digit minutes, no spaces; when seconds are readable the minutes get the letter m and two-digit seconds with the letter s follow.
5h51
